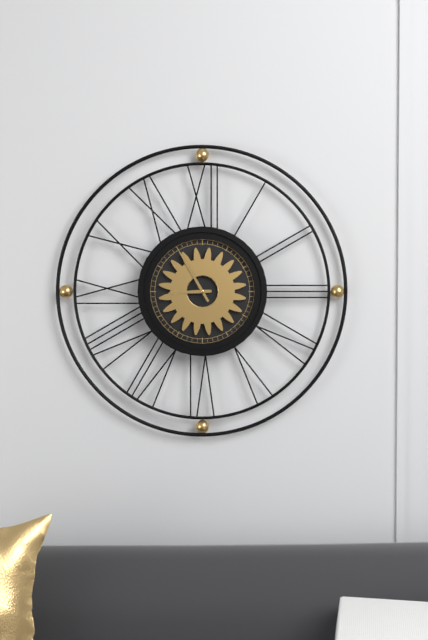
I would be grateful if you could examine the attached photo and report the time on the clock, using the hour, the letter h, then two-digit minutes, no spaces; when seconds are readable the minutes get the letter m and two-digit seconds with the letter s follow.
8h55
